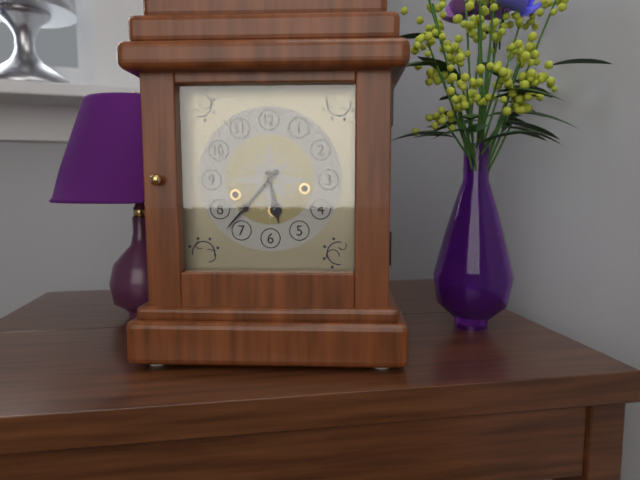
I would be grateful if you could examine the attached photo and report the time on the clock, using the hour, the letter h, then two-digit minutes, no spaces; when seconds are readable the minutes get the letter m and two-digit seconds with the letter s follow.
5h37
